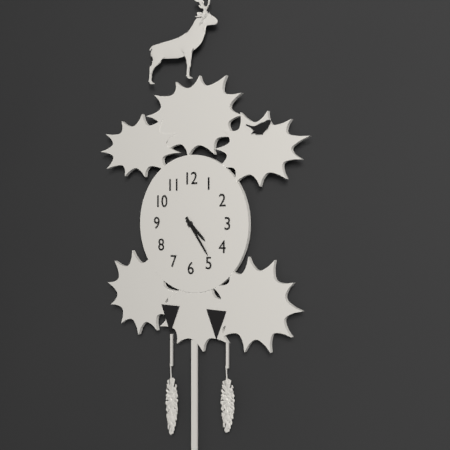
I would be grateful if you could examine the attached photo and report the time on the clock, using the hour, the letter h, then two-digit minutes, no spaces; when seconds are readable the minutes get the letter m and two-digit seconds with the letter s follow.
4h24
